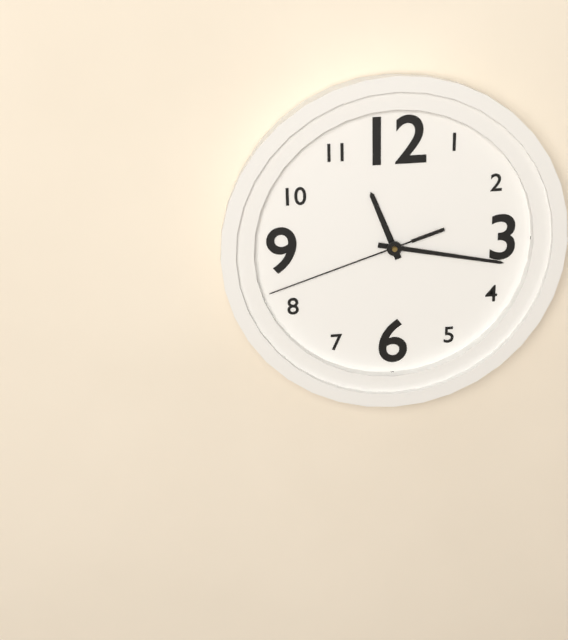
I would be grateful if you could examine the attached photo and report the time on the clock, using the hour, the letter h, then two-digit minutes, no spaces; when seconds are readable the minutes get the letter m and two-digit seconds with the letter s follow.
11h17m42s
